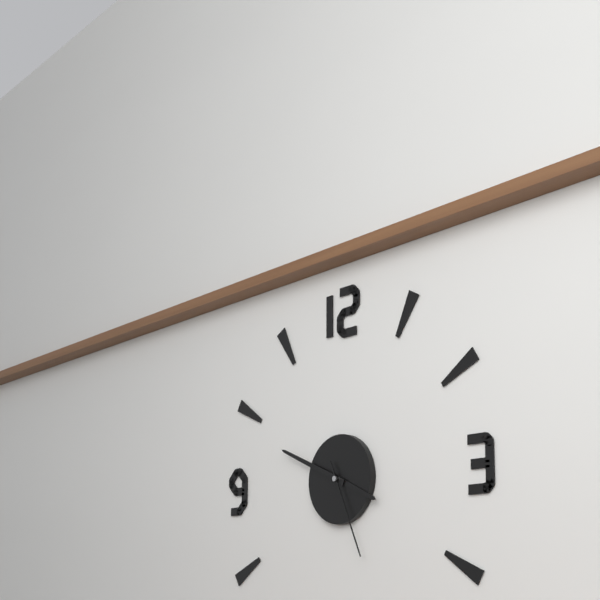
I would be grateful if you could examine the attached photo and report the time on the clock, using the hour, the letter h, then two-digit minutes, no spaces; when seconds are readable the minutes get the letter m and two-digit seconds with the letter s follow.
3h49m26s
